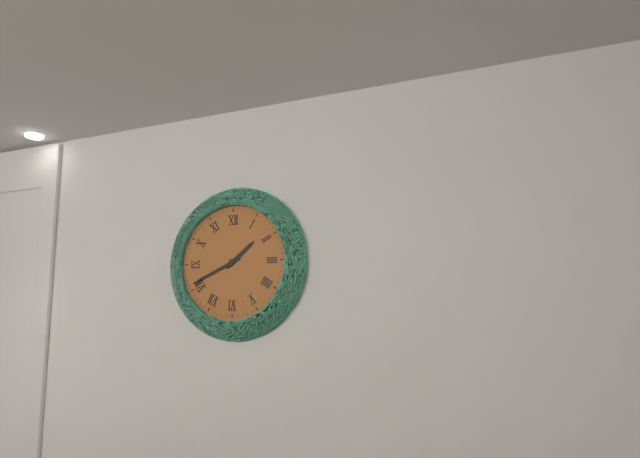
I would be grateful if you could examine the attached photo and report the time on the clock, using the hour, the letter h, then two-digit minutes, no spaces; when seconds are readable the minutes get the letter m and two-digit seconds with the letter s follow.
1h41
